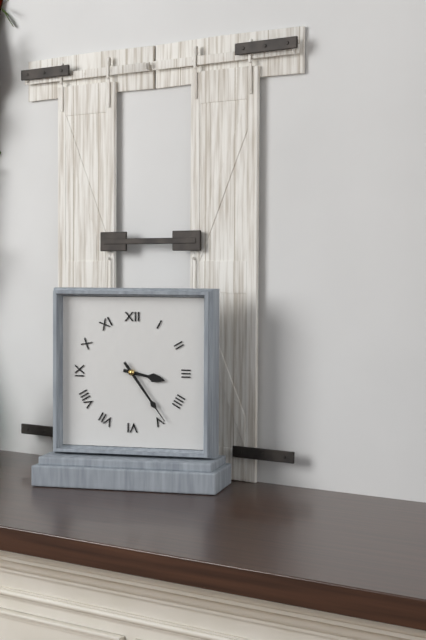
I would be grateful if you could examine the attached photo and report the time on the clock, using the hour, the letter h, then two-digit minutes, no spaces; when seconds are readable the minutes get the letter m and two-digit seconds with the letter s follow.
3h24
